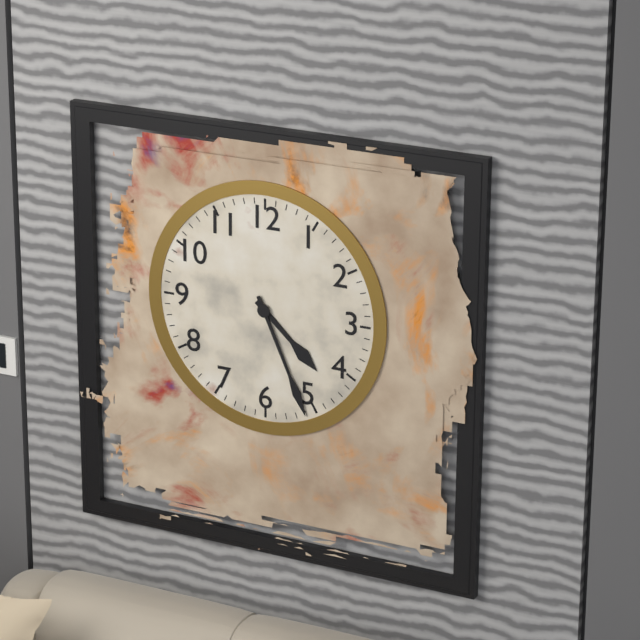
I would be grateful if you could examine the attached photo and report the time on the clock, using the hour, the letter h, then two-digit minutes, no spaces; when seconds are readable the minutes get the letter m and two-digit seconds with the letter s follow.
4h26
